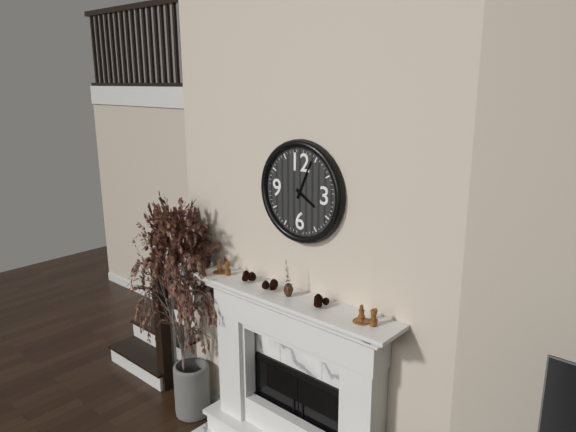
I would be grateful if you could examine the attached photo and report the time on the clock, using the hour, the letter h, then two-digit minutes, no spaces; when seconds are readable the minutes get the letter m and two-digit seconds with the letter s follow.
4h04
